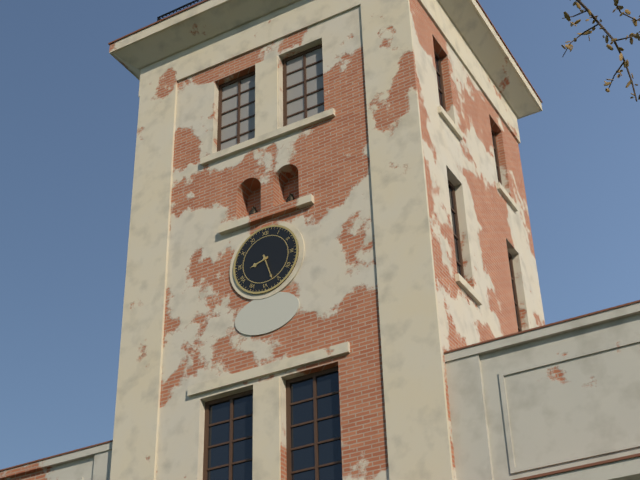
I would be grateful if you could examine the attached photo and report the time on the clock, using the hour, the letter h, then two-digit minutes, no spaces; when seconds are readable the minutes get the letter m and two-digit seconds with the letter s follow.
8h27
